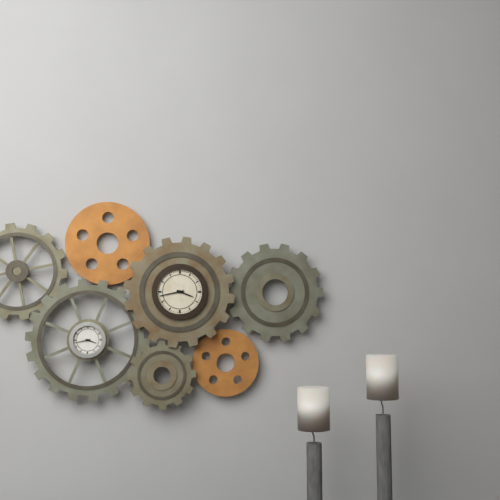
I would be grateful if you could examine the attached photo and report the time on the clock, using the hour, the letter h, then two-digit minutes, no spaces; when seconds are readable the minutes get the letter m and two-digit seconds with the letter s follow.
3h43
